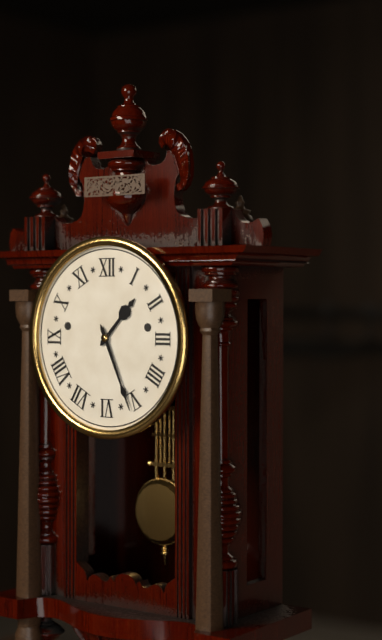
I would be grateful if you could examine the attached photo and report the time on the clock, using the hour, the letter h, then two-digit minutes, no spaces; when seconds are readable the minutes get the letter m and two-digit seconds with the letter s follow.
1h26
